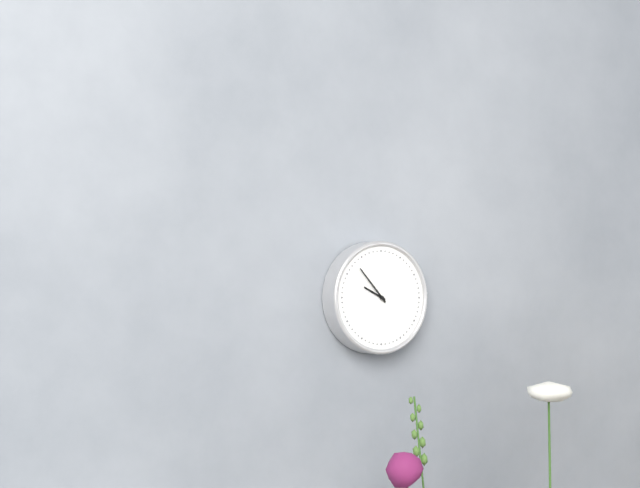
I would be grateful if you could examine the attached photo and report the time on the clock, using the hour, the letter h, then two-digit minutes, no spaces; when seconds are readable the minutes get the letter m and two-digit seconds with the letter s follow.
9h53
